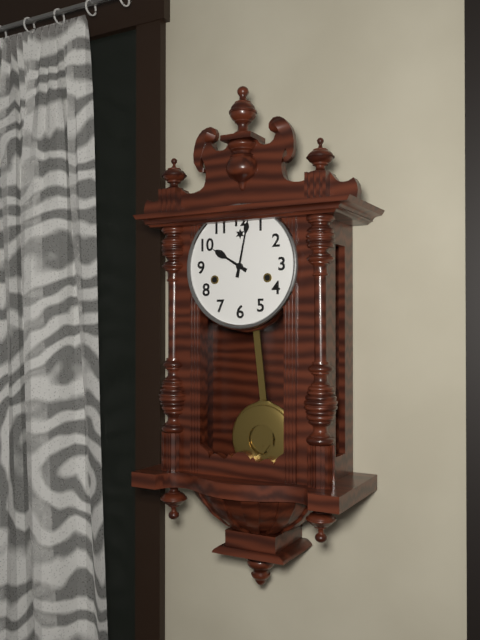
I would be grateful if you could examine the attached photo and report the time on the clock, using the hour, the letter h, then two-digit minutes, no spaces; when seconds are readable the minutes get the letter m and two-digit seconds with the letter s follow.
10h02
